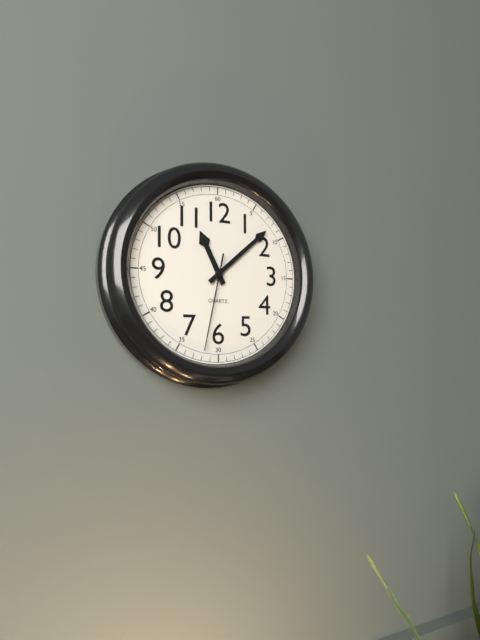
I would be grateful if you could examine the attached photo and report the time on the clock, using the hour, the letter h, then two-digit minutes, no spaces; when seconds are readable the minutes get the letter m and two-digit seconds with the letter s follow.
11h08m32s
